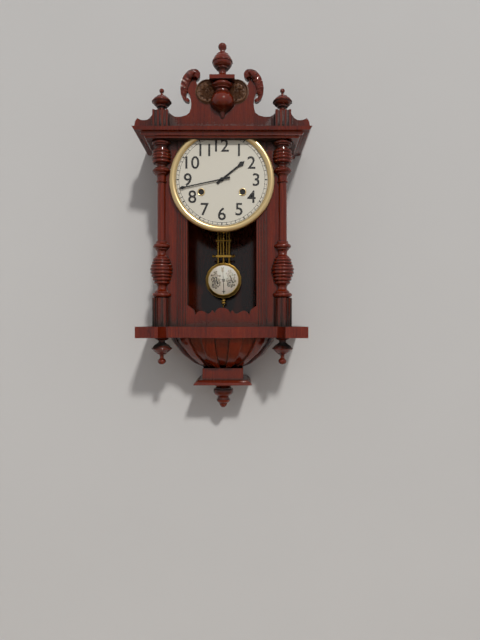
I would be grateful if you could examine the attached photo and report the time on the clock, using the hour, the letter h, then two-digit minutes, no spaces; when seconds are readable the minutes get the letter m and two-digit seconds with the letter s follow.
1h43
